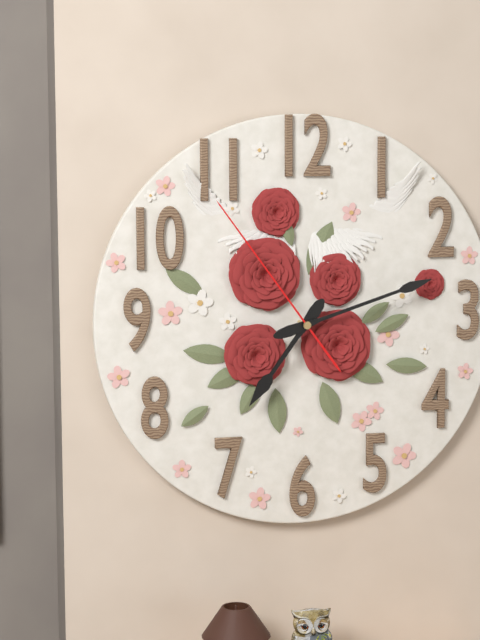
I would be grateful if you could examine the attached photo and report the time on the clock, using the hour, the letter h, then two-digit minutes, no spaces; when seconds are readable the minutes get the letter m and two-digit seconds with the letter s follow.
7h12m54s
